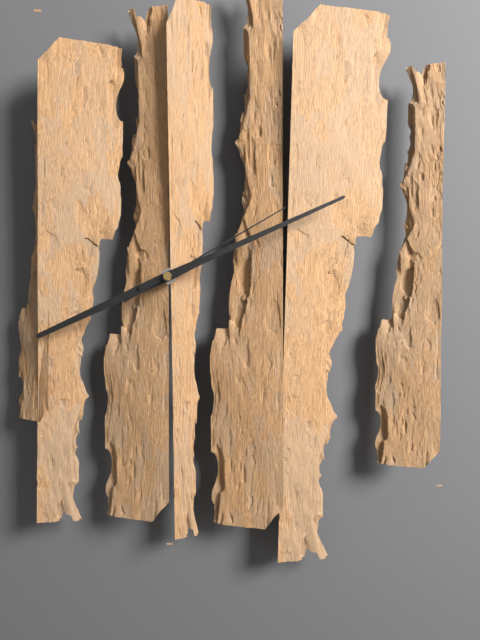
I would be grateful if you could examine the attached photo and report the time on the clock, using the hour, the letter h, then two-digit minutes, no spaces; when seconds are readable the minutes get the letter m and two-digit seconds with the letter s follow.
8h11m10s
